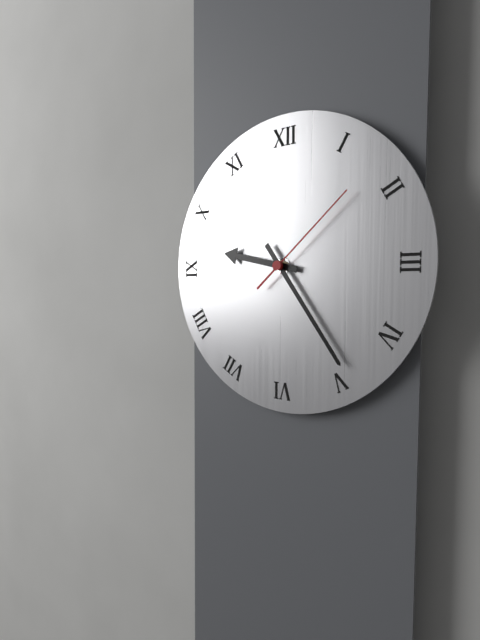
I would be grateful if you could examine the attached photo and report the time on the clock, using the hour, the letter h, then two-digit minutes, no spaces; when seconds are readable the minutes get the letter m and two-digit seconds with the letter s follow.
9h24m08s
